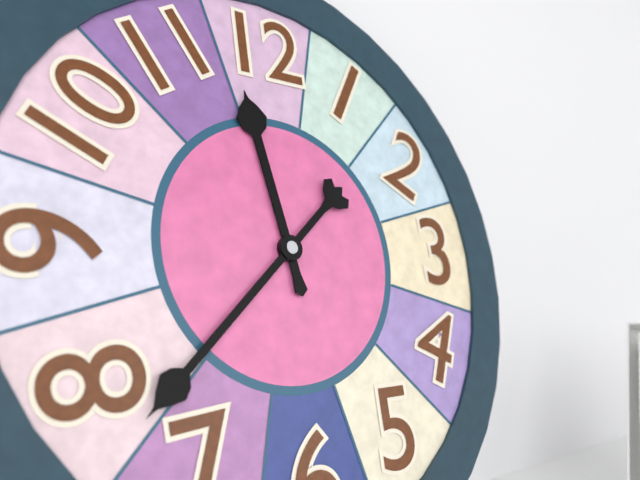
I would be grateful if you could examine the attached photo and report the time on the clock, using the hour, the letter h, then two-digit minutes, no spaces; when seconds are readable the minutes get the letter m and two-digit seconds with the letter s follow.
11h38
